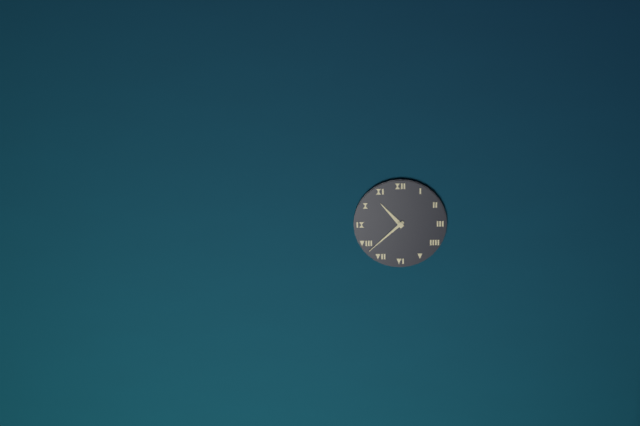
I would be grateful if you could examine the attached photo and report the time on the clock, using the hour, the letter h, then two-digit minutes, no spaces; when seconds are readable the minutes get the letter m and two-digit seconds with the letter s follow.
10h38
